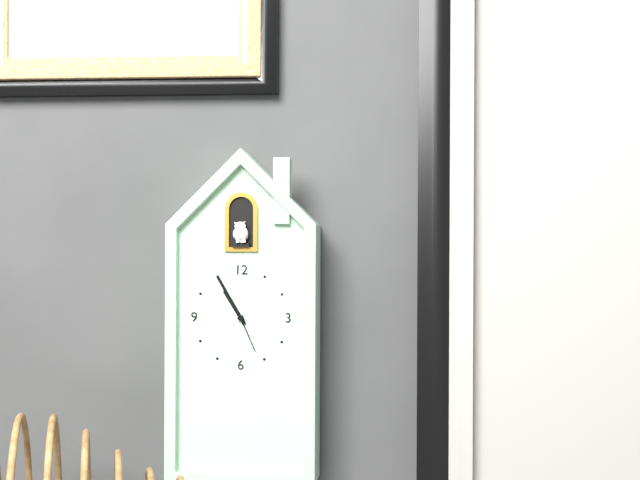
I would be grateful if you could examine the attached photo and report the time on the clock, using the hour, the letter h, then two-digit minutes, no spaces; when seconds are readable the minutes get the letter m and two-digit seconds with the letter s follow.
10h55
